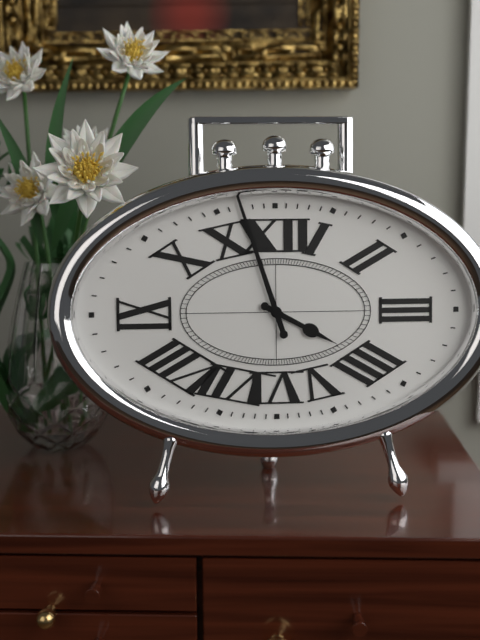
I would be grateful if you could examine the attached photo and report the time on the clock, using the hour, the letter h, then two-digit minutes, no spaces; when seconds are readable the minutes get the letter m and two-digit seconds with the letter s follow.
3h57
